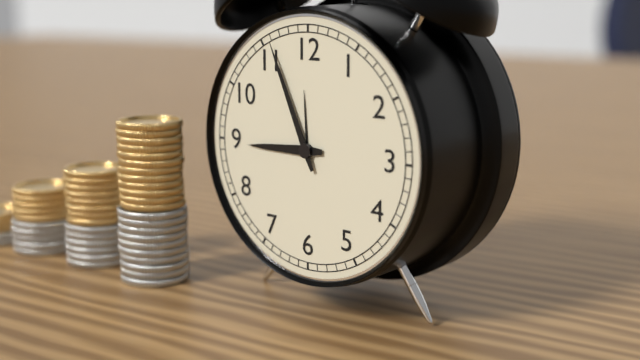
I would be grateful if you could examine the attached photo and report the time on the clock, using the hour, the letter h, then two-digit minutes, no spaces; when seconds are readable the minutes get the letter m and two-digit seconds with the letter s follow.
8h56
